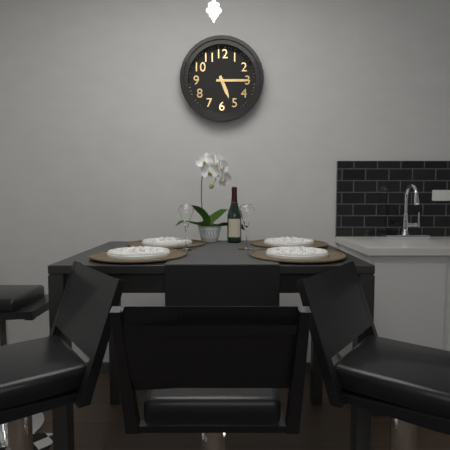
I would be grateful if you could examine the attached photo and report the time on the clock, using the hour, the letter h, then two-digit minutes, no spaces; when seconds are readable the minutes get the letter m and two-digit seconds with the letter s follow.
5h15
